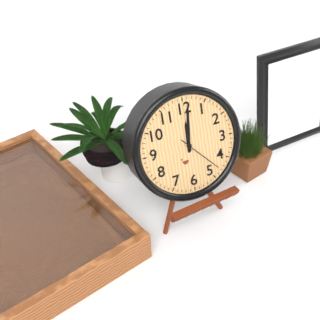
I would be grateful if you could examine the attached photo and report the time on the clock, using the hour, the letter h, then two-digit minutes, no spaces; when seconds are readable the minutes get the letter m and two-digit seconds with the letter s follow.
12h01
